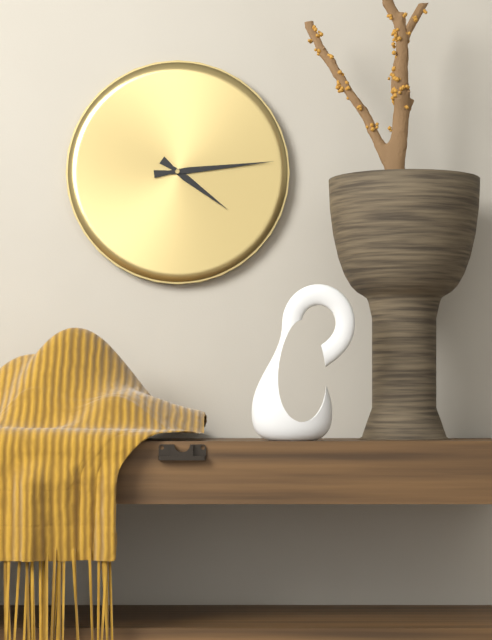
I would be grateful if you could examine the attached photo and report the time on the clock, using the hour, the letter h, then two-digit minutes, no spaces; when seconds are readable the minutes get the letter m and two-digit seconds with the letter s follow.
4h14
